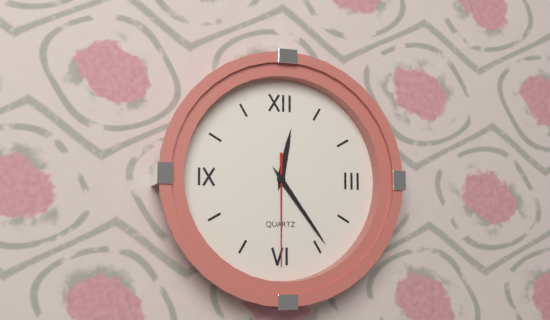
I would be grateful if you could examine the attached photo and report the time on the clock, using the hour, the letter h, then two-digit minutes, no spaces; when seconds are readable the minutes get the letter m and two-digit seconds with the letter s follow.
12h24m30s
